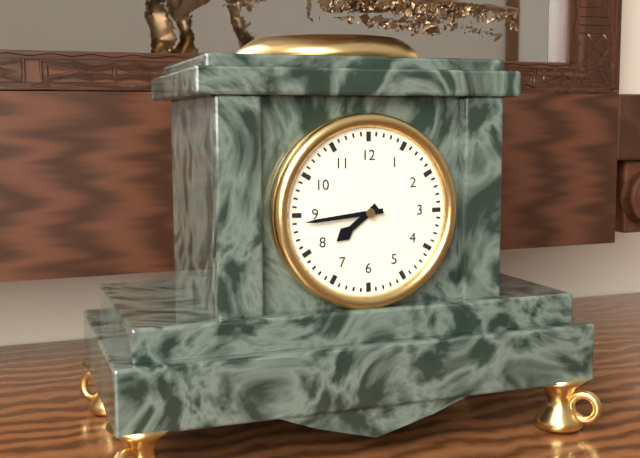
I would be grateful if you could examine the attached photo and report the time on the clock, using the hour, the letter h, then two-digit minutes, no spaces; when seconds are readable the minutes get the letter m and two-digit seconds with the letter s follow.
7h44
